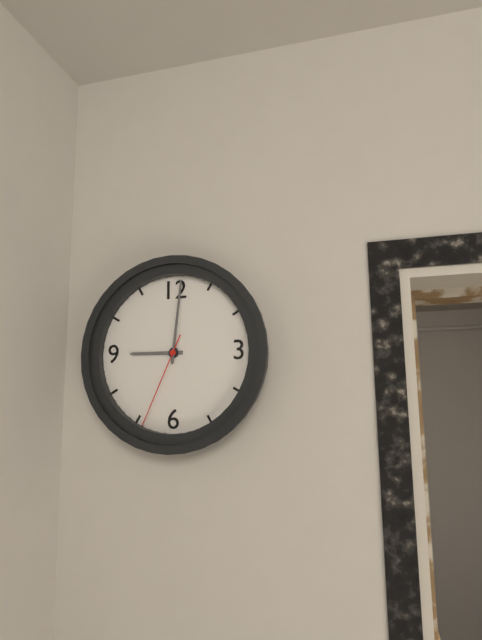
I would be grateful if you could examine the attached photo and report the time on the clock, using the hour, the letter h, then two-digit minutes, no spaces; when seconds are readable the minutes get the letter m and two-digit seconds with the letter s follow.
9h01m34s
